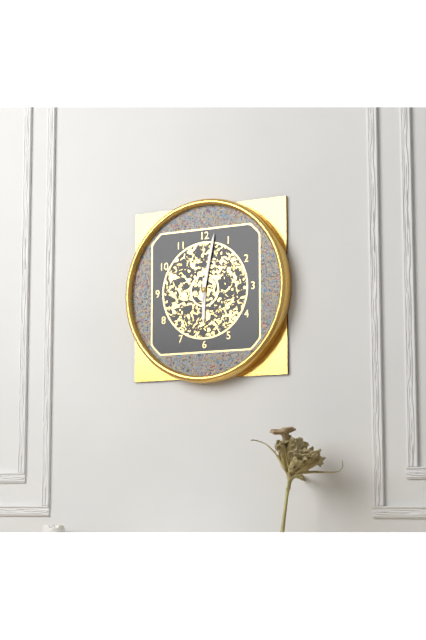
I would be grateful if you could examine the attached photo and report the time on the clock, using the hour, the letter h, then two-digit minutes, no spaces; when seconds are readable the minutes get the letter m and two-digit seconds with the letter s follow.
6h02
